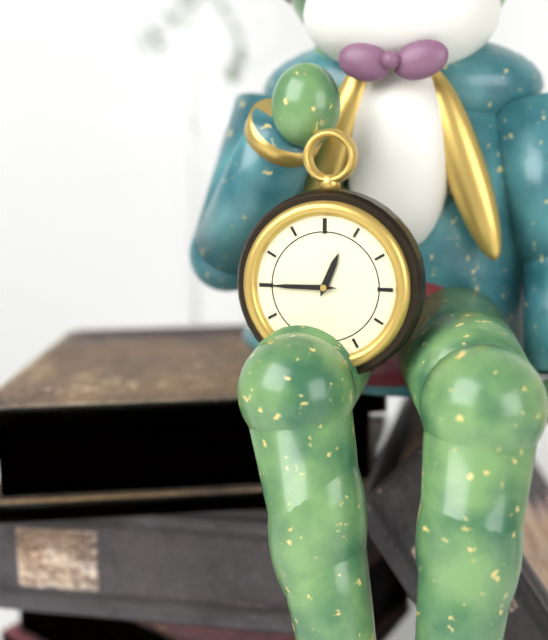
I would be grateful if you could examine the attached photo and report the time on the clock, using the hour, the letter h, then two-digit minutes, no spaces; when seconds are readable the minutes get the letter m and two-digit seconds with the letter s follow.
12h45
